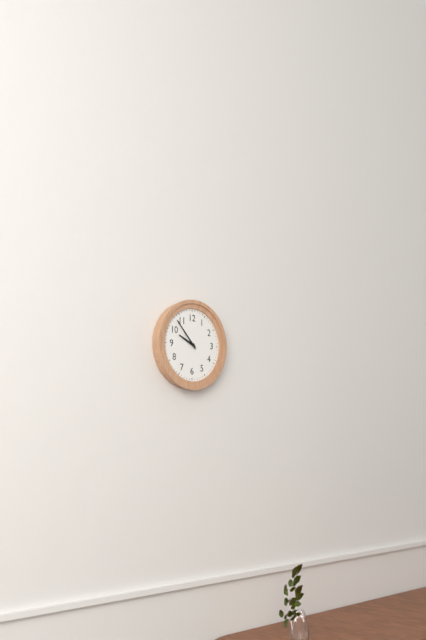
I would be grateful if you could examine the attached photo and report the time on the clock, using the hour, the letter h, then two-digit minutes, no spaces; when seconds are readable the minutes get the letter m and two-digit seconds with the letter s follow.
9h53
